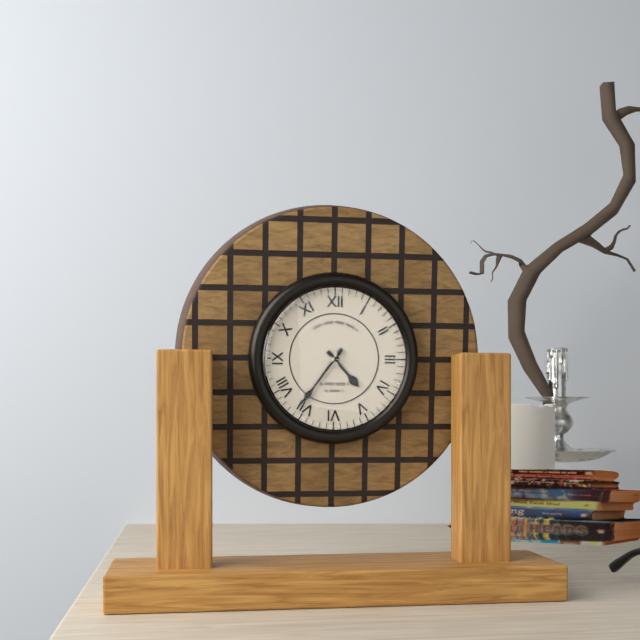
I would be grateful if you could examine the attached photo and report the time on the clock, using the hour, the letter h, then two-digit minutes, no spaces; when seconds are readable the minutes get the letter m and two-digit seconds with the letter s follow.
4h36
